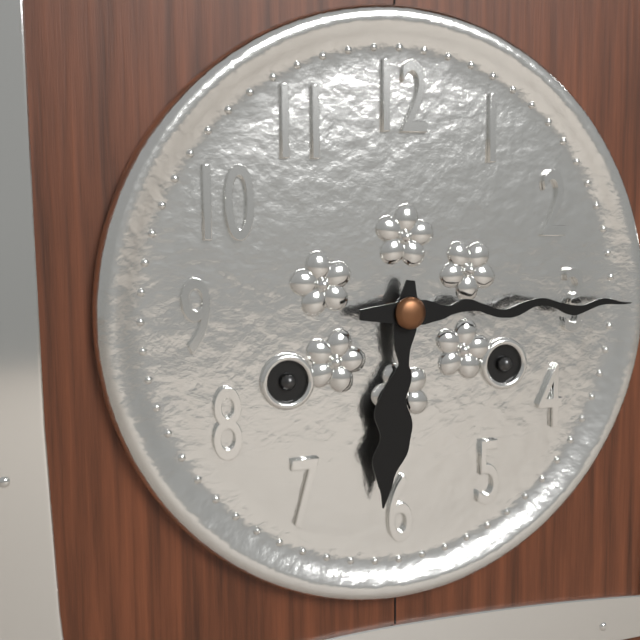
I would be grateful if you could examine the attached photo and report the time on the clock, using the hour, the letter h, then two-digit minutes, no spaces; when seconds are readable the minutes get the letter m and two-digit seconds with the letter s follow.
6h15
